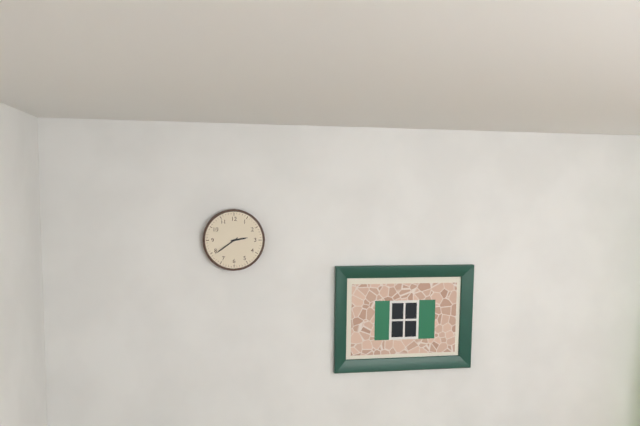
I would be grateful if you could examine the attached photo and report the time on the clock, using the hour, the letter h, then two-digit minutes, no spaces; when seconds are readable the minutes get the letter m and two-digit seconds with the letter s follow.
2h39
